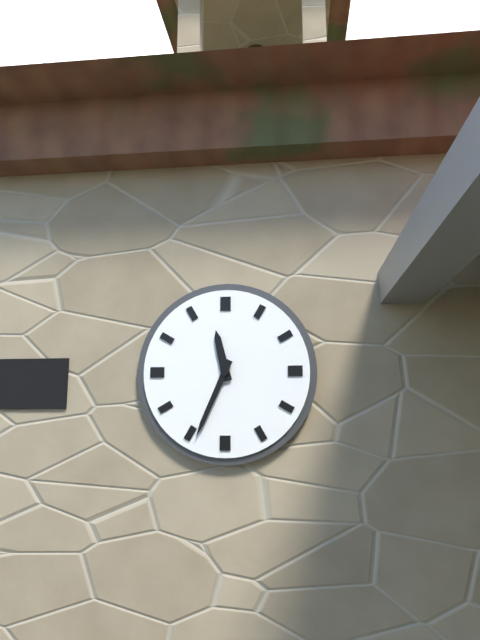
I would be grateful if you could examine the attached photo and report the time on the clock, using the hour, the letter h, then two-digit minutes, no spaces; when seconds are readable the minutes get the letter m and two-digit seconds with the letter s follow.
11h34
